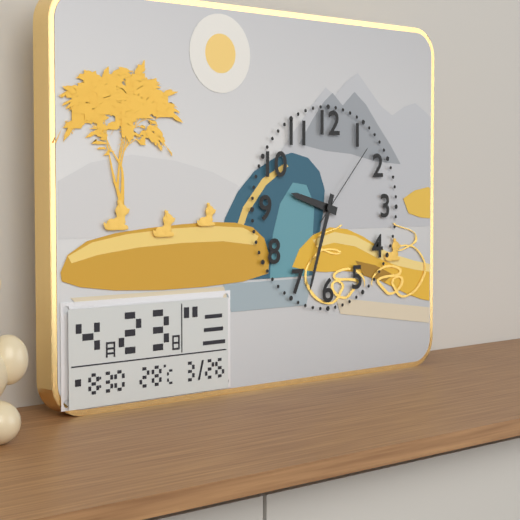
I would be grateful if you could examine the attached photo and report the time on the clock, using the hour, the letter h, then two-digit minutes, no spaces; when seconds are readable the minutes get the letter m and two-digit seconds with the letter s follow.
9h33m07s
